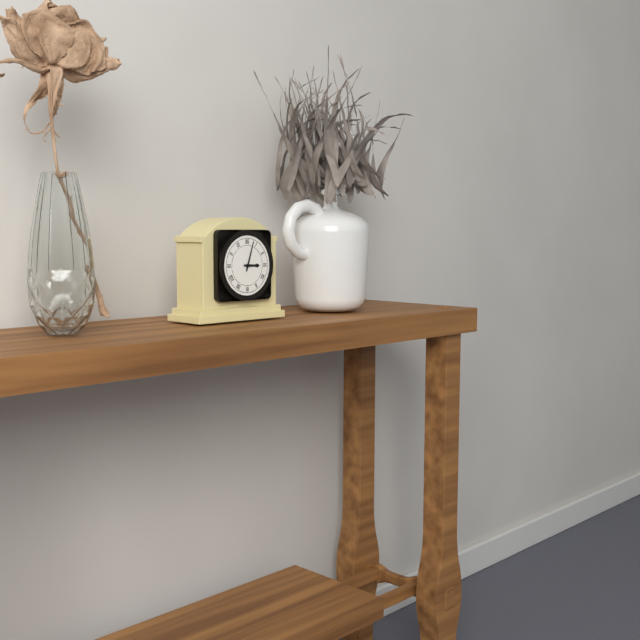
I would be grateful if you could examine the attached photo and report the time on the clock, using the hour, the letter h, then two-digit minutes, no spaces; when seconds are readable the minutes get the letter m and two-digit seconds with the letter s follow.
3h03
